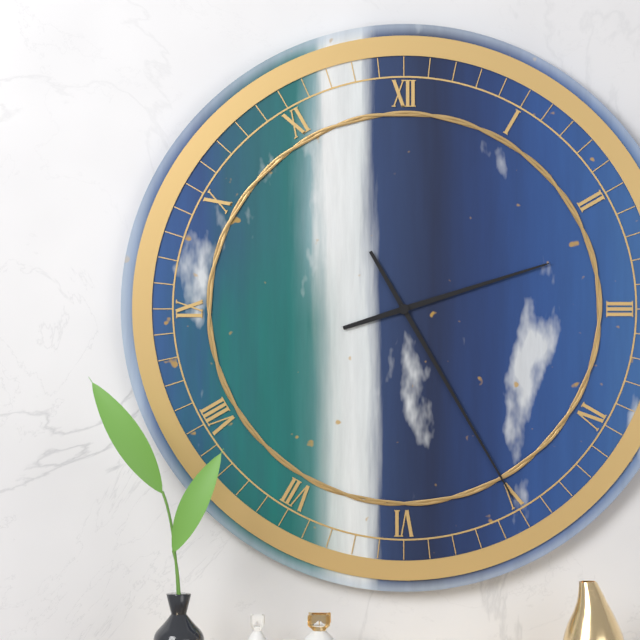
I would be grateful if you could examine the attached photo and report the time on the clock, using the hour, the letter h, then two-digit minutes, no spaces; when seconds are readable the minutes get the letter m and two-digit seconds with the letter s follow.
2h25
